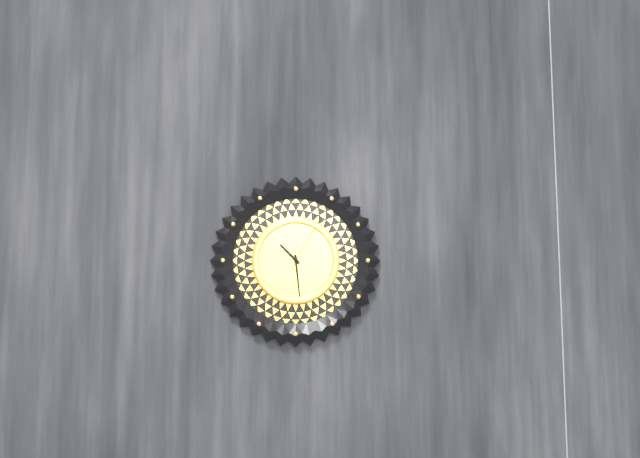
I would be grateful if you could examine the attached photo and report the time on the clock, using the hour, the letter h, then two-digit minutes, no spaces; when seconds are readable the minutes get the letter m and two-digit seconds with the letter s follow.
10h29
